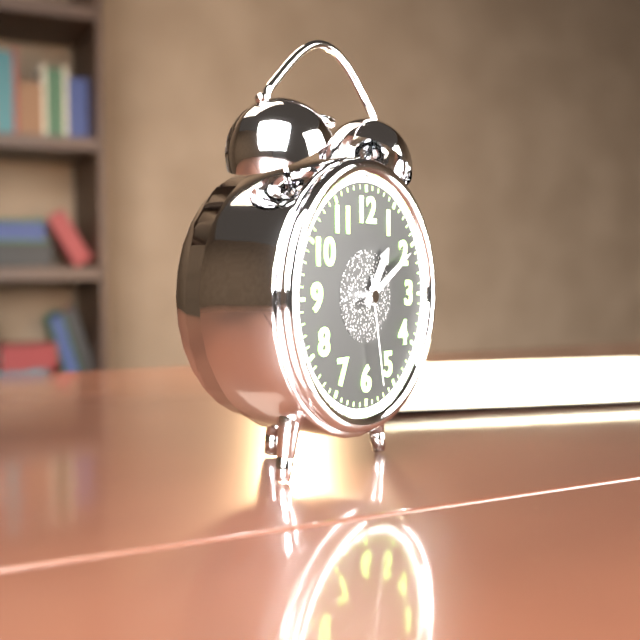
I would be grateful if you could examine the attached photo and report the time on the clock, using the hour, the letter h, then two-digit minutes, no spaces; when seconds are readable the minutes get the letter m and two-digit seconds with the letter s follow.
1h10m28s
